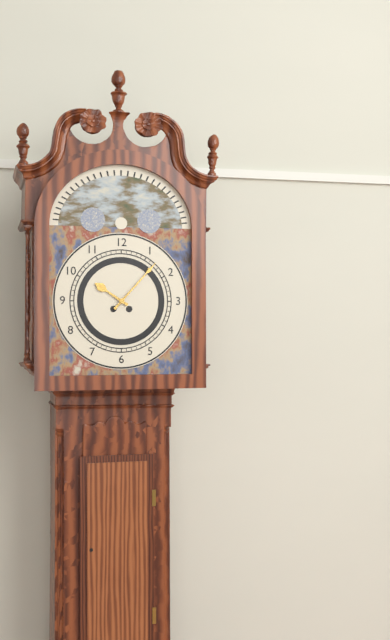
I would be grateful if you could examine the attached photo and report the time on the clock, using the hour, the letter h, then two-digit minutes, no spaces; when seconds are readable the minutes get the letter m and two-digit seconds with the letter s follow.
10h07
